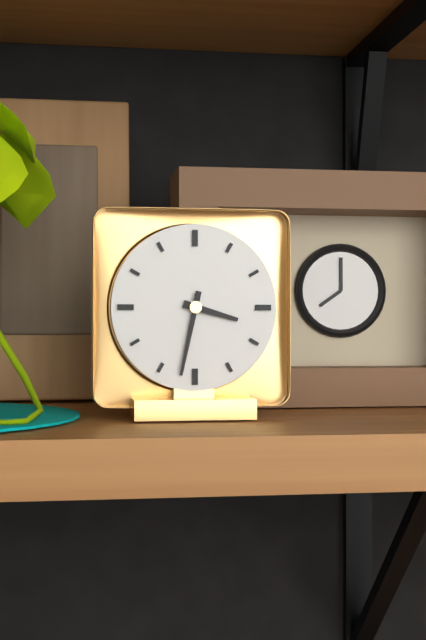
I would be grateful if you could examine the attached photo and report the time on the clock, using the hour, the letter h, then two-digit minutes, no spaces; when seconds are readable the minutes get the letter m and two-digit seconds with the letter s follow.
3h32
